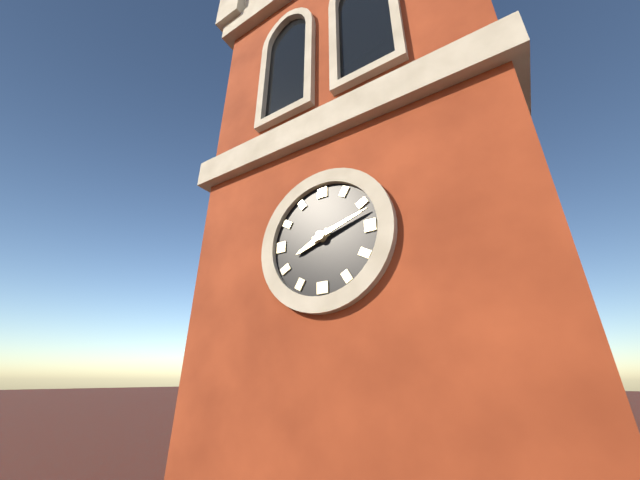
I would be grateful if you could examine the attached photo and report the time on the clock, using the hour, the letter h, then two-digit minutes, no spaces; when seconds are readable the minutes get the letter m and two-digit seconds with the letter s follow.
8h12
